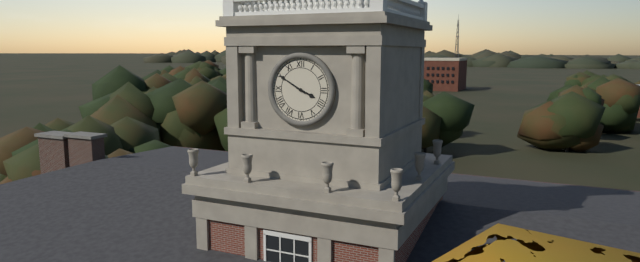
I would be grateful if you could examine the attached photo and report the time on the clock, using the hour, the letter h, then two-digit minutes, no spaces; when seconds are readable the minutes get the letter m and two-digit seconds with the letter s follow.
3h50
